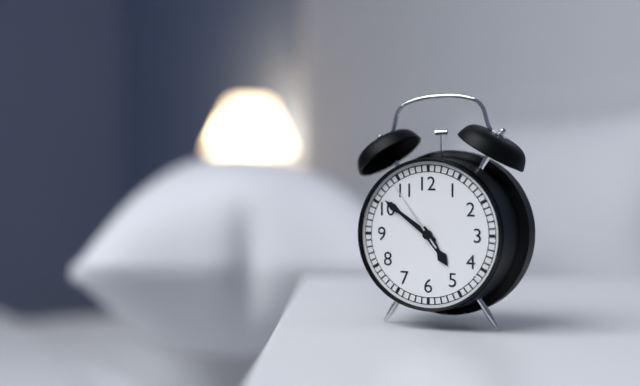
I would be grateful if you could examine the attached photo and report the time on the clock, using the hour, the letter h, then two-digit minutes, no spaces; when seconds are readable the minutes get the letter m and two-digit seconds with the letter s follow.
4h51m54s
